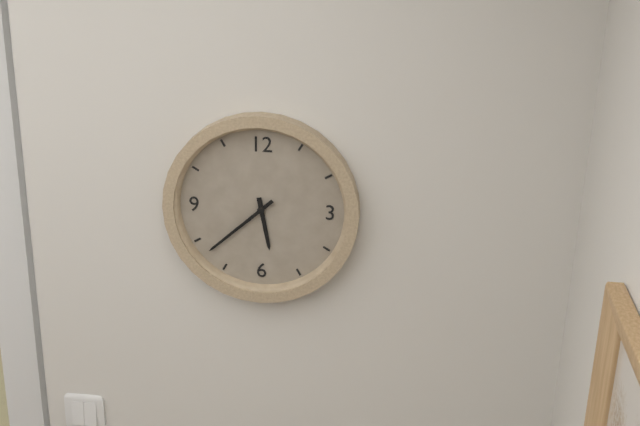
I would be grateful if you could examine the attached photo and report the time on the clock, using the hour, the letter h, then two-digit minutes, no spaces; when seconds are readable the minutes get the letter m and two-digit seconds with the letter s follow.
5h38
